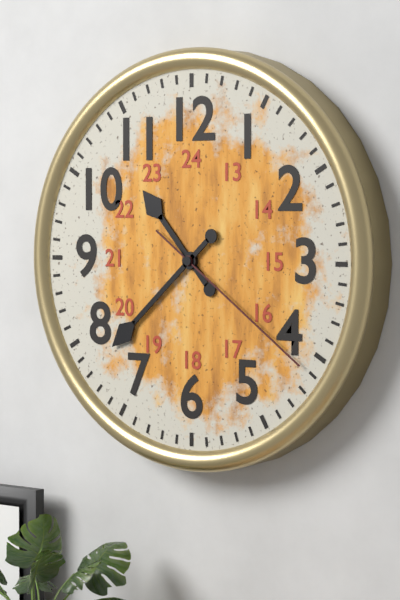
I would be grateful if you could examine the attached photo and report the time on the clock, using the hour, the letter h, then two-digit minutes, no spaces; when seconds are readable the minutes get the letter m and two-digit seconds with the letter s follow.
10h38m21s
